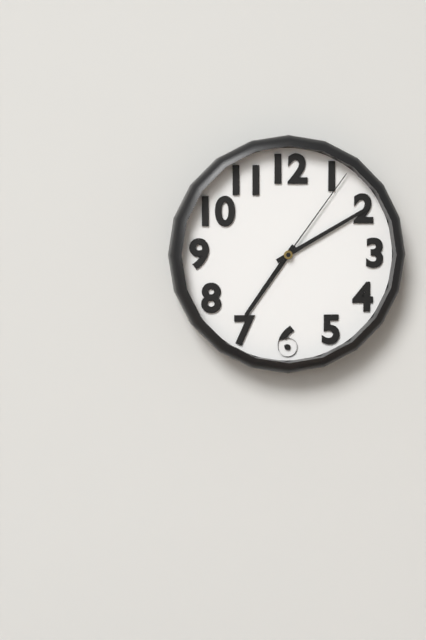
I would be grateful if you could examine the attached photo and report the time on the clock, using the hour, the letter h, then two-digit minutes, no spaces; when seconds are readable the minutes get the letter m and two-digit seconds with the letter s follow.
7h10m06s
